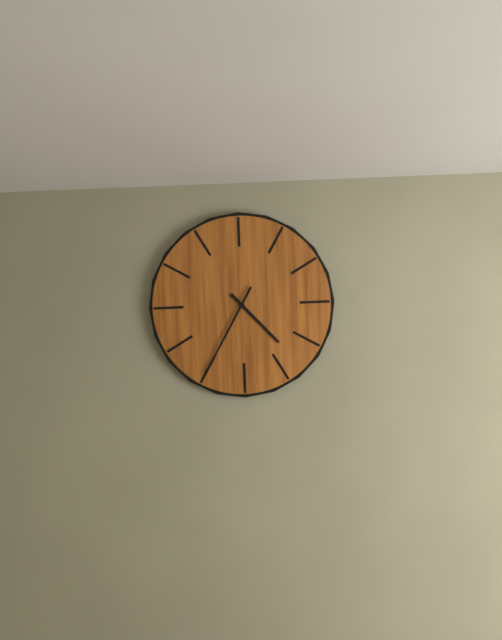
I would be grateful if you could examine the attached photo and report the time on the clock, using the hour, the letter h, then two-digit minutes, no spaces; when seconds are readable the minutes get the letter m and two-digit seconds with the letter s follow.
4h35
